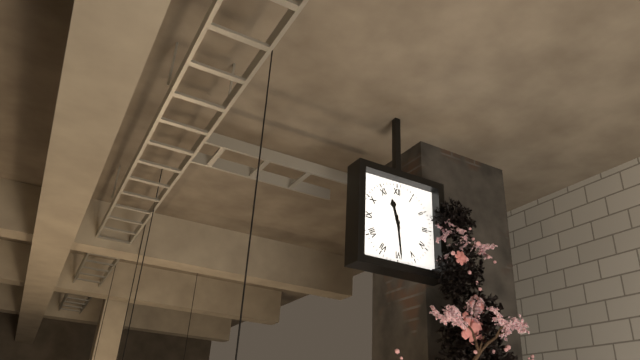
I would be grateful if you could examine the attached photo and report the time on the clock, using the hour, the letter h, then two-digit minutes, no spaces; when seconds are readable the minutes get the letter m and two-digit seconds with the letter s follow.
11h29
